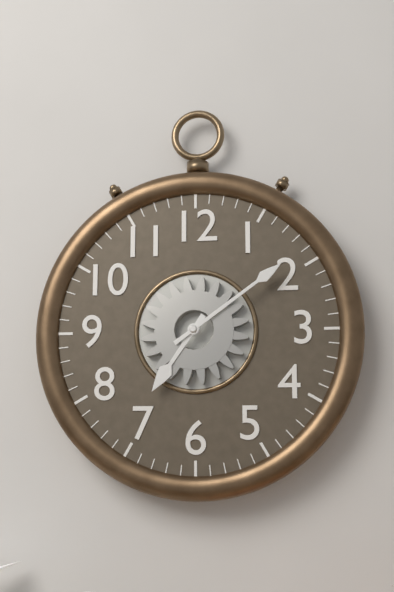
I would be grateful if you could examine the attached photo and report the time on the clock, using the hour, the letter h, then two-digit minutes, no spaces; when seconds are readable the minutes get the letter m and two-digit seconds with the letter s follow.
7h09
